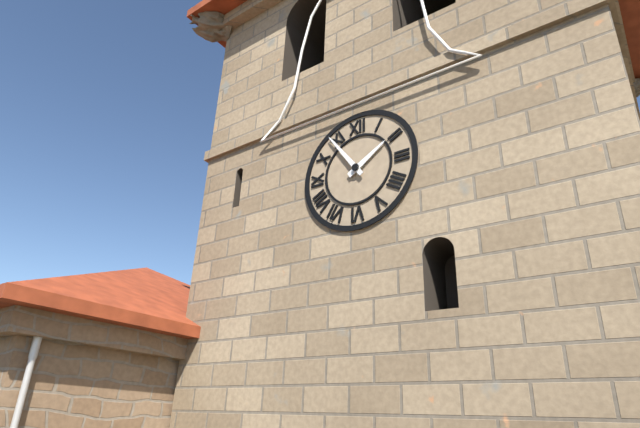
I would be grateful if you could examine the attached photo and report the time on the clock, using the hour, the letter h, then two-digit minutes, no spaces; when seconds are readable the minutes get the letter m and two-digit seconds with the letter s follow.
1h54
